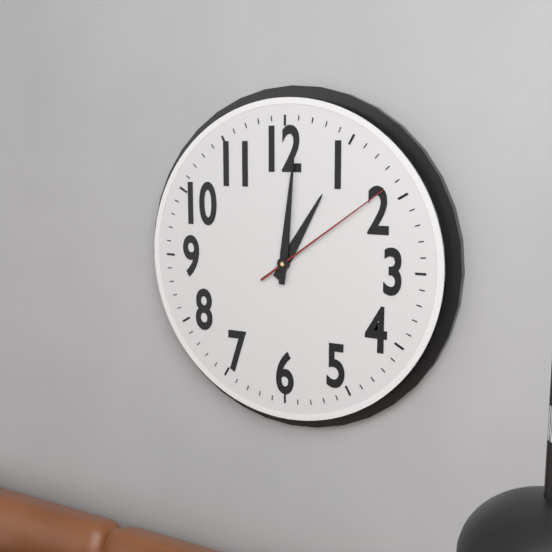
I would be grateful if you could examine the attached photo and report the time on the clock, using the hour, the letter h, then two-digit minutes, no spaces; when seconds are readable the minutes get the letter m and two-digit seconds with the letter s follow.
1h01m09s
